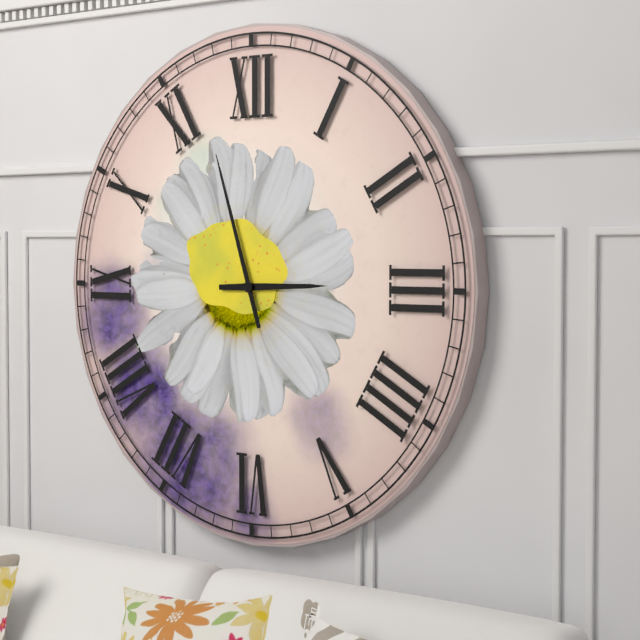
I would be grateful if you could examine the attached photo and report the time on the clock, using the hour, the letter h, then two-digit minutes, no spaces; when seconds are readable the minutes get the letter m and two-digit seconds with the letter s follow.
2h57
